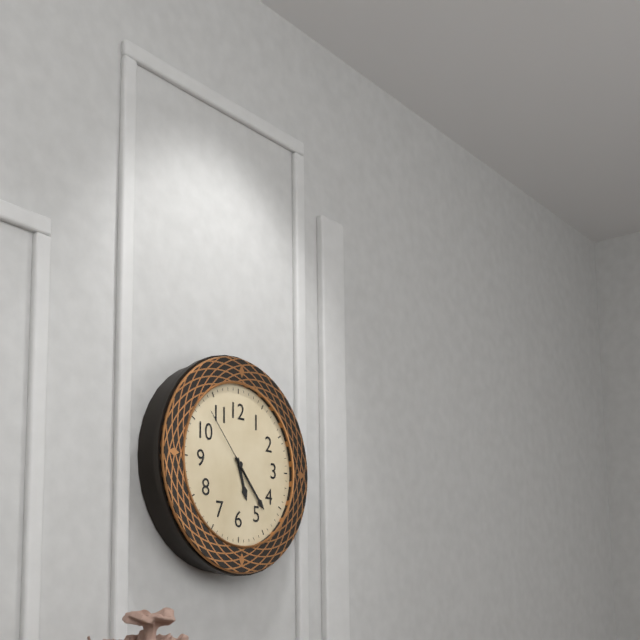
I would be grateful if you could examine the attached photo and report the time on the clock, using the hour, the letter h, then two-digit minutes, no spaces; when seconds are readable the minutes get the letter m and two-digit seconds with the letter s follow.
5h23m53s
